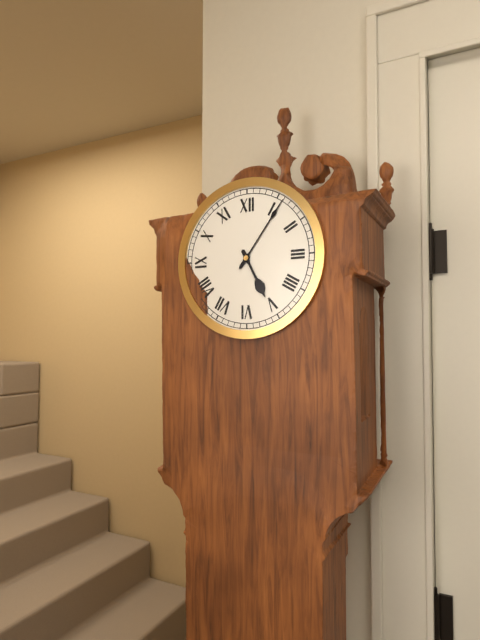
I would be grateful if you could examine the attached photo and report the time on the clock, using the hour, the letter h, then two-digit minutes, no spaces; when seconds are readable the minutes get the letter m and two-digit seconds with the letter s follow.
5h06
